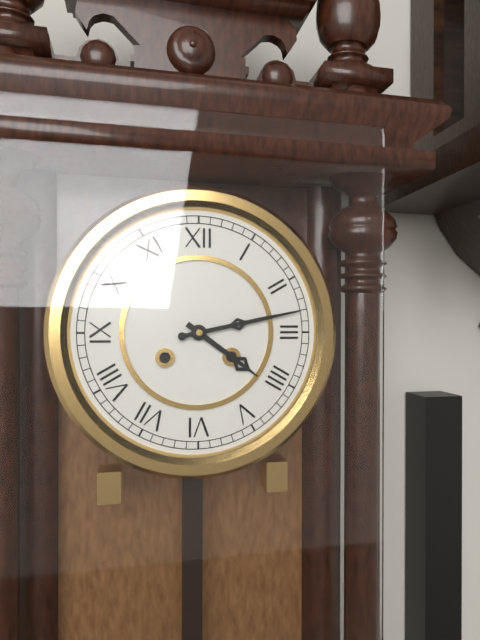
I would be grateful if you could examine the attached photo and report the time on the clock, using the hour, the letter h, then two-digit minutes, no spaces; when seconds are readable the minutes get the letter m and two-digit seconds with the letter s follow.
4h13
